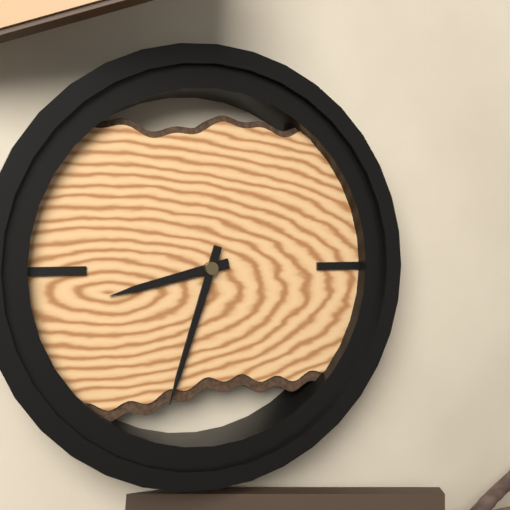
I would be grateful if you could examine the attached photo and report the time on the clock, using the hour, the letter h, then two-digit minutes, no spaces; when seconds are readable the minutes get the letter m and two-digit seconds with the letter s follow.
8h33
